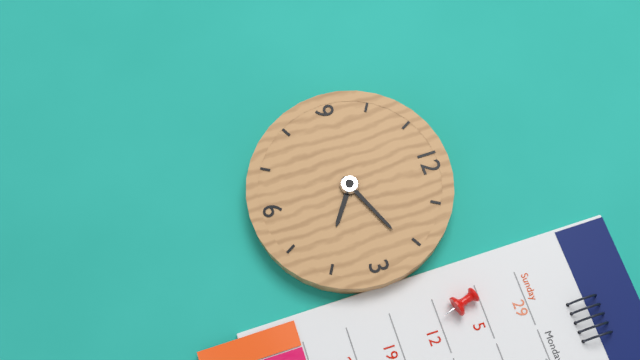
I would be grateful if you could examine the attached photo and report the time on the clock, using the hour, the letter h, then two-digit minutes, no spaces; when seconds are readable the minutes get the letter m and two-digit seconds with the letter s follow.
4h11
